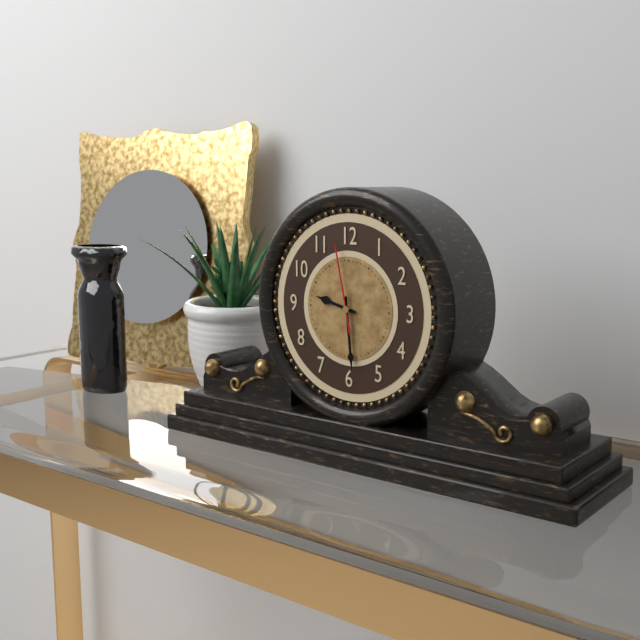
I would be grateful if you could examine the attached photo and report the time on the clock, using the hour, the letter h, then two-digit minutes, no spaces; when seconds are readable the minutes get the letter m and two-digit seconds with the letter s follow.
9h29m58s
